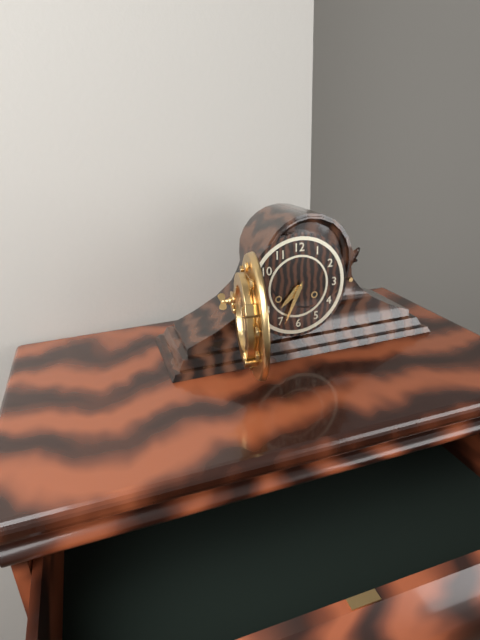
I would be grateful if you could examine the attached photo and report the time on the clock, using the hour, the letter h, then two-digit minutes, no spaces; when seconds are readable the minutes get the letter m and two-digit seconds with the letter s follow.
7h34
